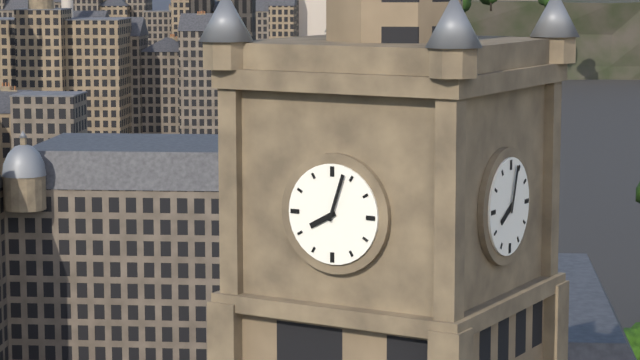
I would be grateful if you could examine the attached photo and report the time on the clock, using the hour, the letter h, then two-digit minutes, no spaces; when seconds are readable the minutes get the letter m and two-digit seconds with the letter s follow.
8h03
